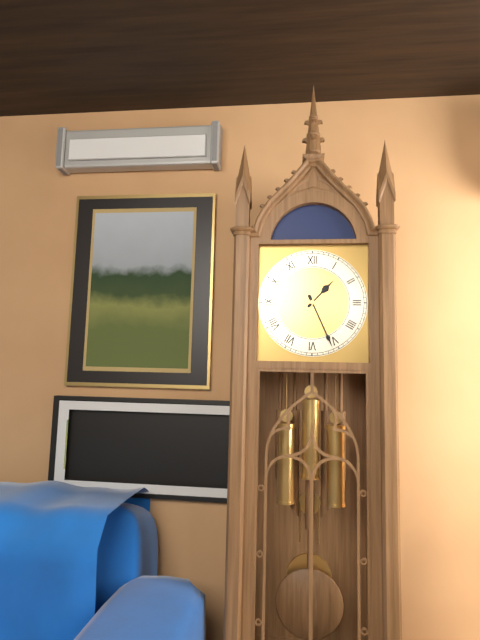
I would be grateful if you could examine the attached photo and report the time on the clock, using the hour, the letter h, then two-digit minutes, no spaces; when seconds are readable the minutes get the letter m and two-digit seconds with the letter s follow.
1h26
